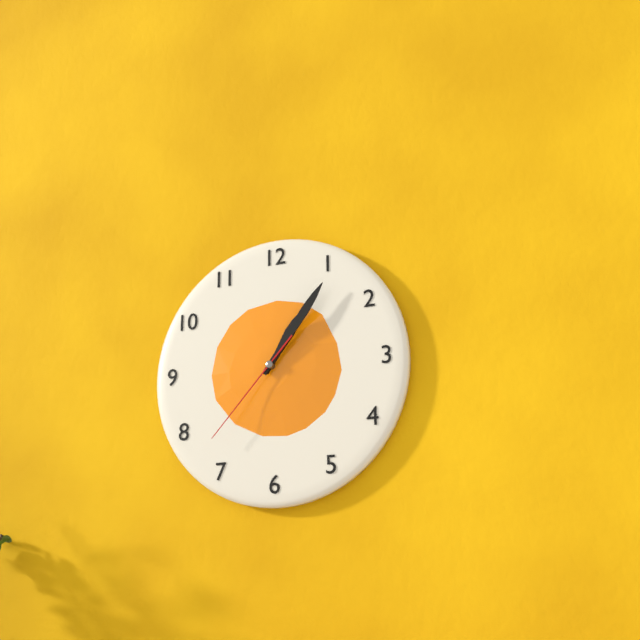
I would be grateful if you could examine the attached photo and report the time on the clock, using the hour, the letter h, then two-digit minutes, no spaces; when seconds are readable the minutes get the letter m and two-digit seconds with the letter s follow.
1h06m37s
